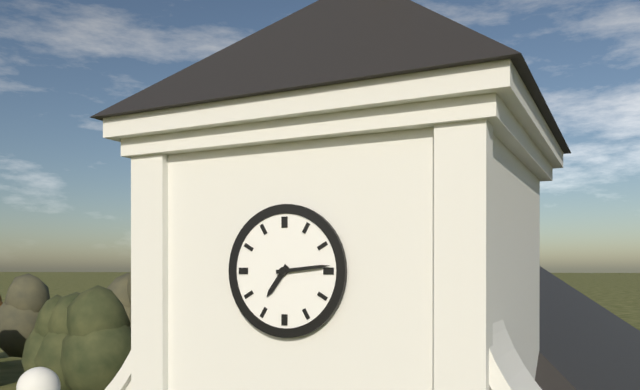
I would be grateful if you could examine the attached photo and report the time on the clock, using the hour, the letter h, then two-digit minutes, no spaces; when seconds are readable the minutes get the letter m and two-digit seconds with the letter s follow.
7h14
